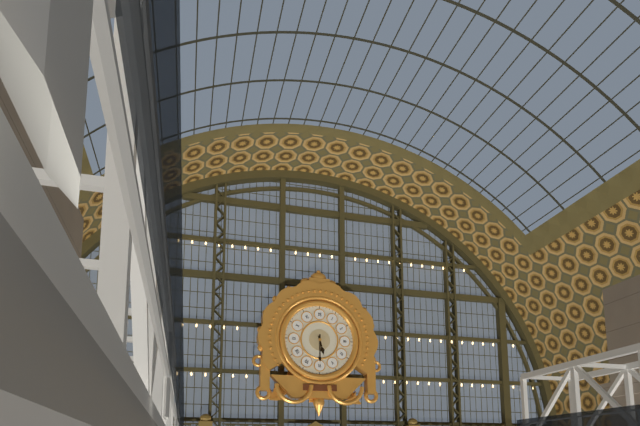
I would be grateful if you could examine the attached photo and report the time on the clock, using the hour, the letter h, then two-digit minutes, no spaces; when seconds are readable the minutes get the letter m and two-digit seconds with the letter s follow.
5h30
